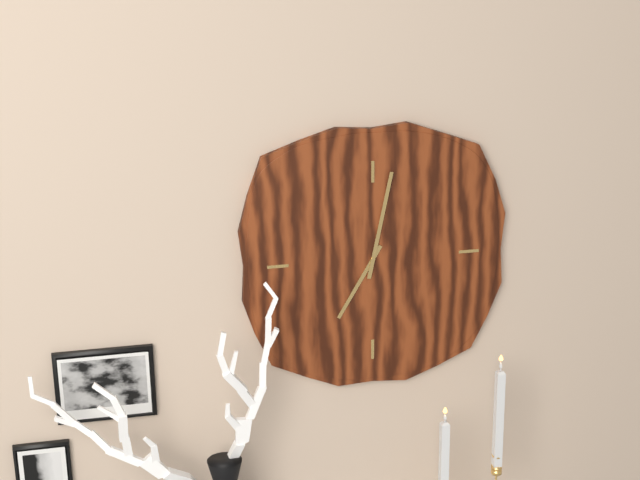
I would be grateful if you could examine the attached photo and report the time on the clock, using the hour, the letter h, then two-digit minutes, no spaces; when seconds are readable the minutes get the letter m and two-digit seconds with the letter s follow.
7h02
